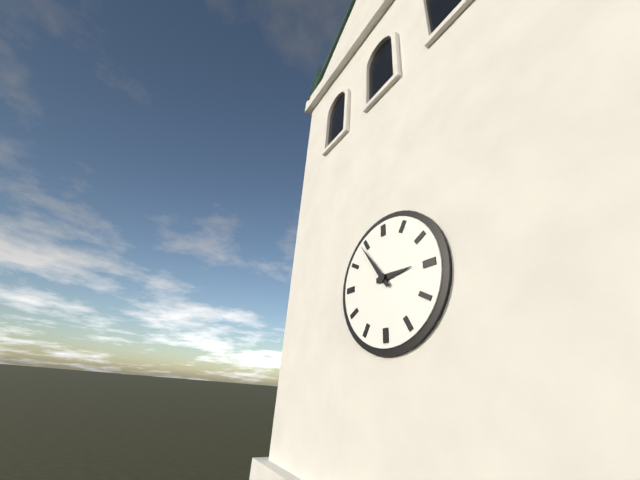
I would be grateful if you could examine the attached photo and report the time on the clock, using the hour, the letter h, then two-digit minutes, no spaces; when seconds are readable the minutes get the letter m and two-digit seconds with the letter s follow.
2h54
